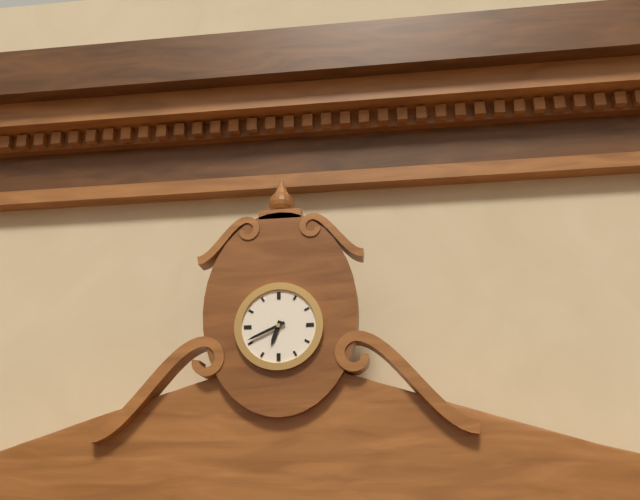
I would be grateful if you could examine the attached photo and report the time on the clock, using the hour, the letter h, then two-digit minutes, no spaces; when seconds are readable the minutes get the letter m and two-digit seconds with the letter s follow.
6h41
